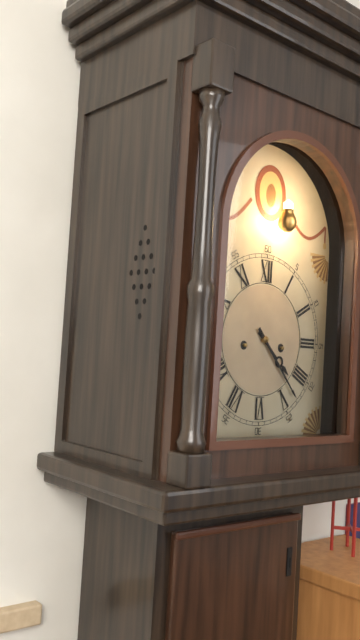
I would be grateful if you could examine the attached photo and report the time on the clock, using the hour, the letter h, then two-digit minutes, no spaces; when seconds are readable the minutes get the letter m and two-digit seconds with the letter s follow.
4h23
